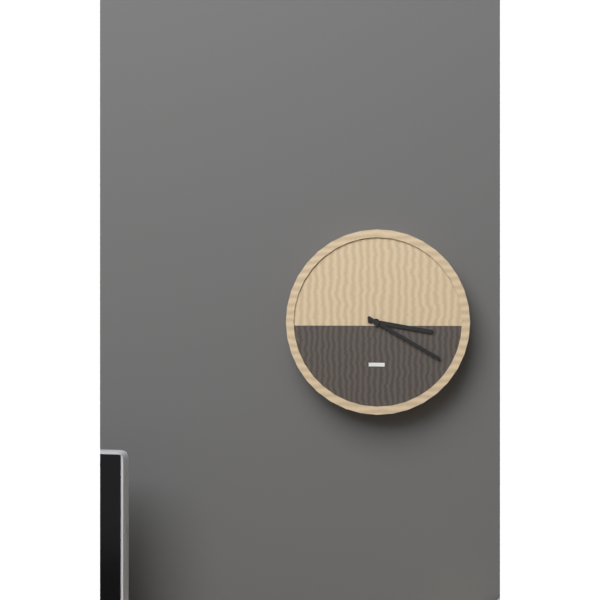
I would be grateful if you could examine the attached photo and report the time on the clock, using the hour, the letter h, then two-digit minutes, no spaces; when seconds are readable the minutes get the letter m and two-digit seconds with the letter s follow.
3h20
